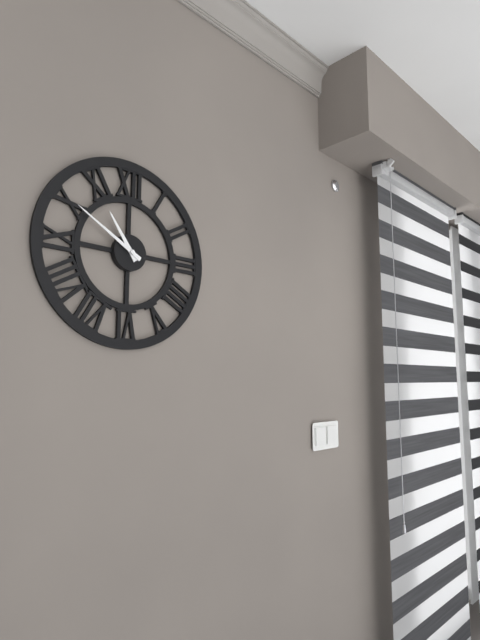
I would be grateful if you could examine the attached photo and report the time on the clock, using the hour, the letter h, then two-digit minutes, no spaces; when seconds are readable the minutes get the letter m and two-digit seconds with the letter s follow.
10h50
